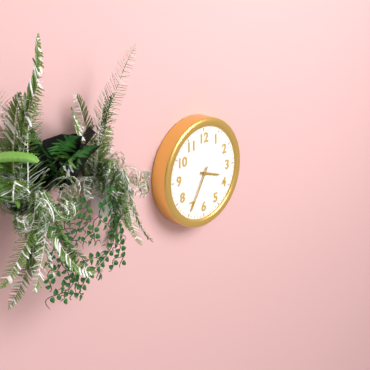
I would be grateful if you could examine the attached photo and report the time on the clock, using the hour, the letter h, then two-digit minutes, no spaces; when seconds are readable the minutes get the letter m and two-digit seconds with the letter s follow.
3h35
